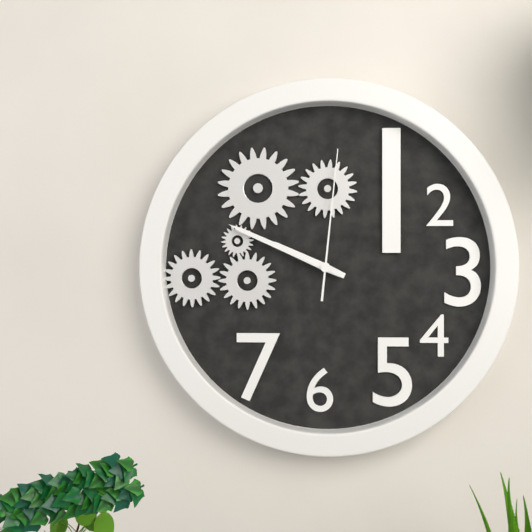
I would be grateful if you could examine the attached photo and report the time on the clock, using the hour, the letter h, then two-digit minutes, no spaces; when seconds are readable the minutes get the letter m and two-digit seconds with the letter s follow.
9h49m01s
